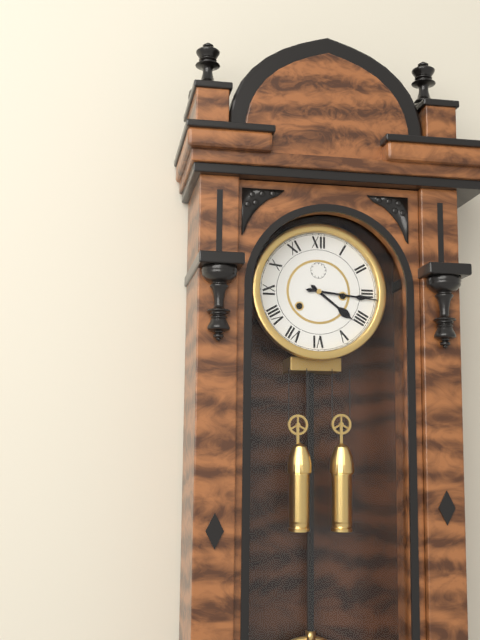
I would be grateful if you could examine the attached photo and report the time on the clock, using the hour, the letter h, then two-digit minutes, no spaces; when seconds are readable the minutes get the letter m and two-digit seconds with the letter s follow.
4h16
